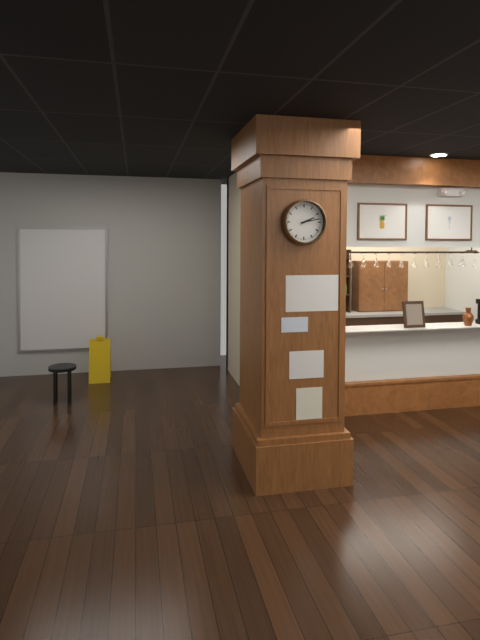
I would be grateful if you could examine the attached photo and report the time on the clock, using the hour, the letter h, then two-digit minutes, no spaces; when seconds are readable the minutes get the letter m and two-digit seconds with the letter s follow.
2h13
